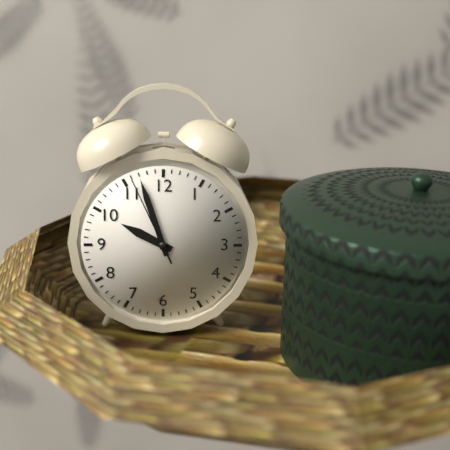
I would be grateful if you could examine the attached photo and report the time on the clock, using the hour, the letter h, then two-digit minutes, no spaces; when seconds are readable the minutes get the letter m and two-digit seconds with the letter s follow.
9h57m56s
